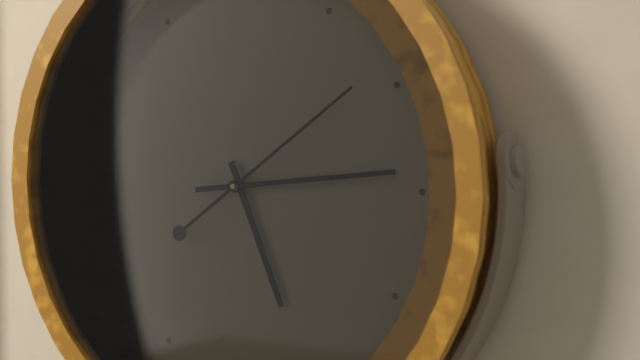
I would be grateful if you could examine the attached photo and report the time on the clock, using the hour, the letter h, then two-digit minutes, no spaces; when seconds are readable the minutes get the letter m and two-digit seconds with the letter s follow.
5h14m09s
